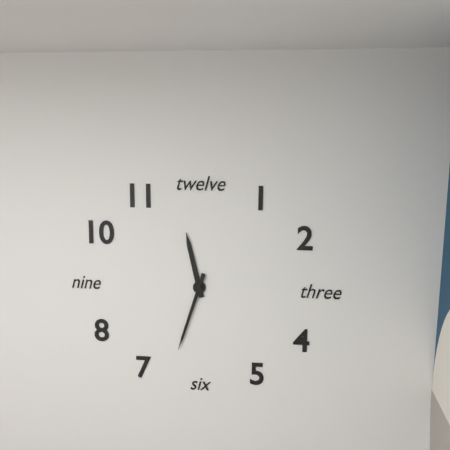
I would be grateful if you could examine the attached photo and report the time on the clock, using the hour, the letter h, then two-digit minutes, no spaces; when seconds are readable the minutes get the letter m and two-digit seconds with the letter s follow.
11h33
